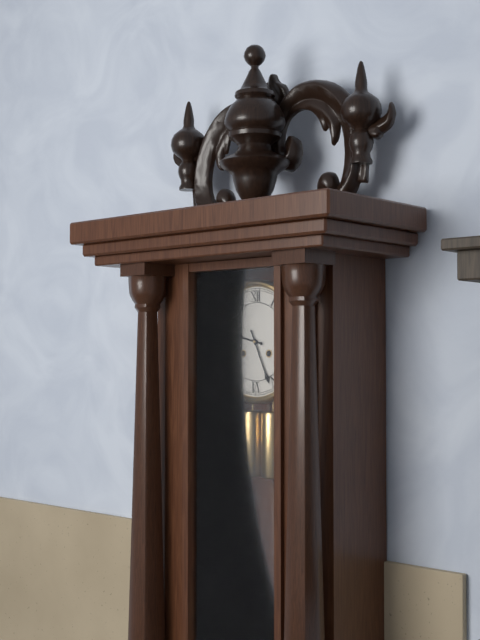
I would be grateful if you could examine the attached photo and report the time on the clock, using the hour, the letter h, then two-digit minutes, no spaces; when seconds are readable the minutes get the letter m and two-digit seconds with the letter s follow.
9h26
